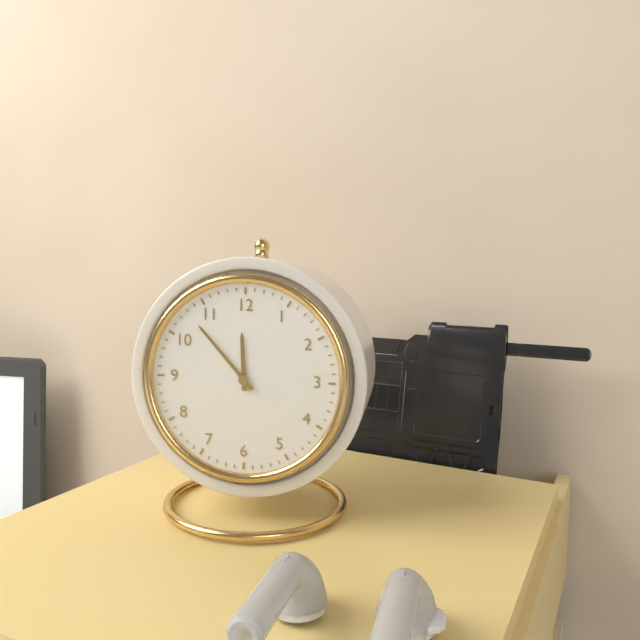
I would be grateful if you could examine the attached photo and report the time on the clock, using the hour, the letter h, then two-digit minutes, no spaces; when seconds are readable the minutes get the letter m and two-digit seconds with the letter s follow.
11h53
